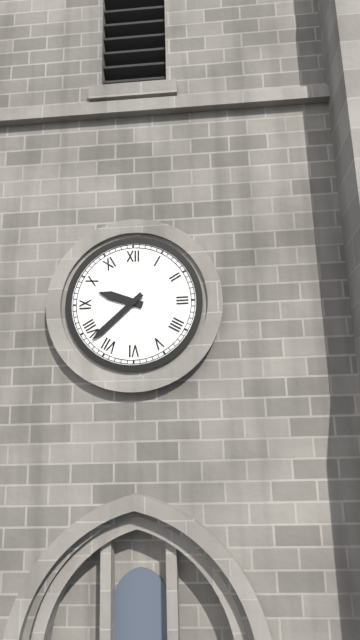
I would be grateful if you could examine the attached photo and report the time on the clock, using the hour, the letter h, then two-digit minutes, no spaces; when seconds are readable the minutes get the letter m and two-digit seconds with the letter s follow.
9h38
